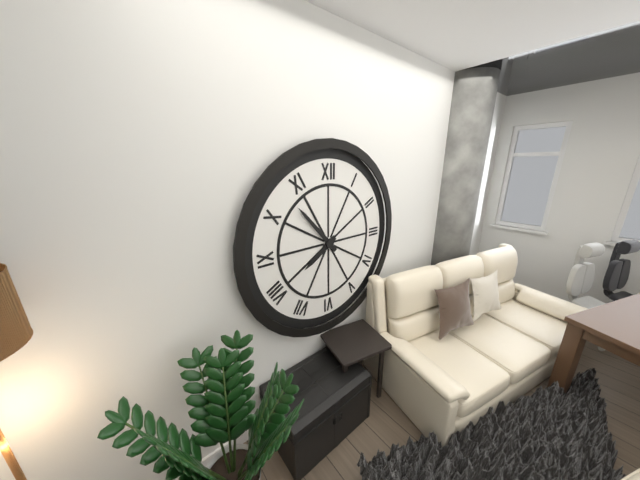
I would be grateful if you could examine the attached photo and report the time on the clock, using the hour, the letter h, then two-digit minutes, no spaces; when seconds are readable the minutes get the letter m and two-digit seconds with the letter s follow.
7h53
